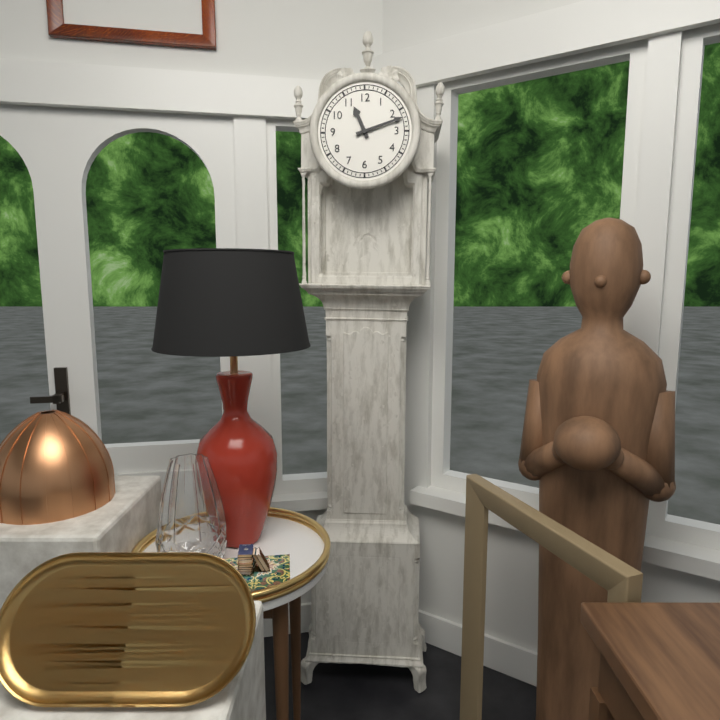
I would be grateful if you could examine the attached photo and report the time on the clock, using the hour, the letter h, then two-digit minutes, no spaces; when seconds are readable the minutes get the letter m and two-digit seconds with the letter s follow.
11h12
